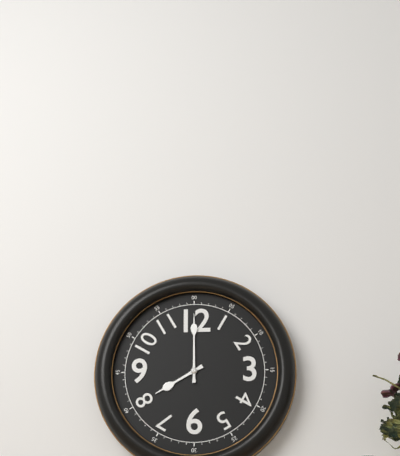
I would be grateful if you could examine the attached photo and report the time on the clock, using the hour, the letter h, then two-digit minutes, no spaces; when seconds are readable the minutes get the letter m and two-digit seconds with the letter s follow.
8h00
